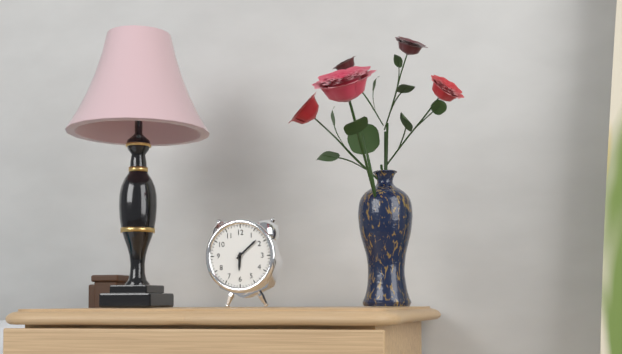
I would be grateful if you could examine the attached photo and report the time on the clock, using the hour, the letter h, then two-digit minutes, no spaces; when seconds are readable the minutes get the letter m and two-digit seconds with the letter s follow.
6h08
